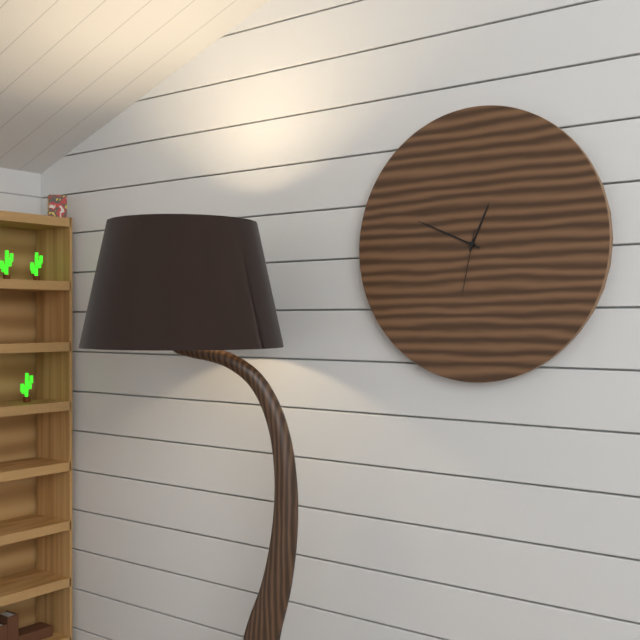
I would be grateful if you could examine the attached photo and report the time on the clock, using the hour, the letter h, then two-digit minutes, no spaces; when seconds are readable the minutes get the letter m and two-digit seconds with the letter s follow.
12h49m32s
